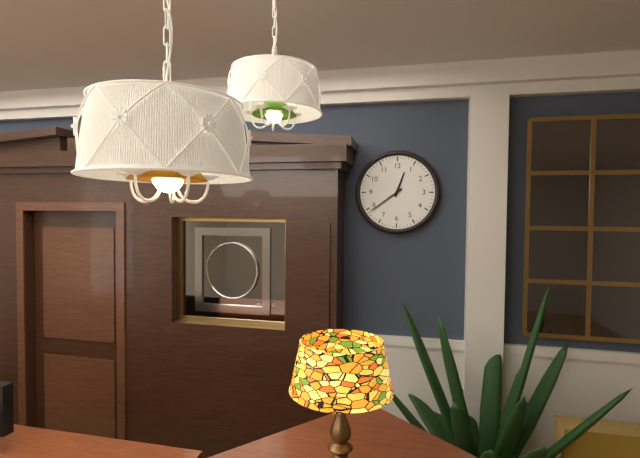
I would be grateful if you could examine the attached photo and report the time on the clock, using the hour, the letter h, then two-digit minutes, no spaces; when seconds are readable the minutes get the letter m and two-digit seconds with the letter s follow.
12h39
